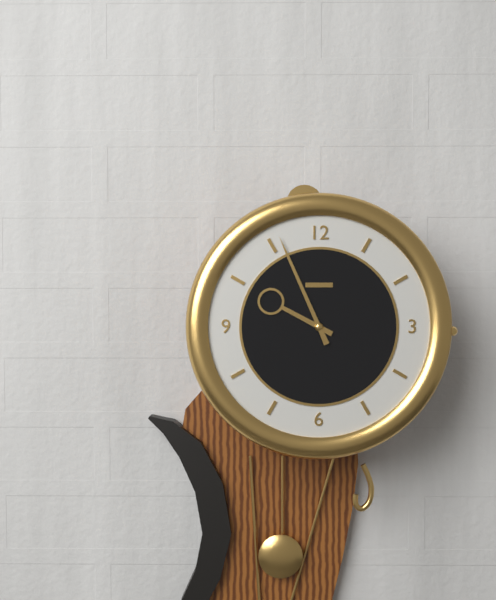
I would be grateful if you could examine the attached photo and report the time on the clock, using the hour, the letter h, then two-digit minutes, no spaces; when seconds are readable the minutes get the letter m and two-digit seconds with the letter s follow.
9h56
